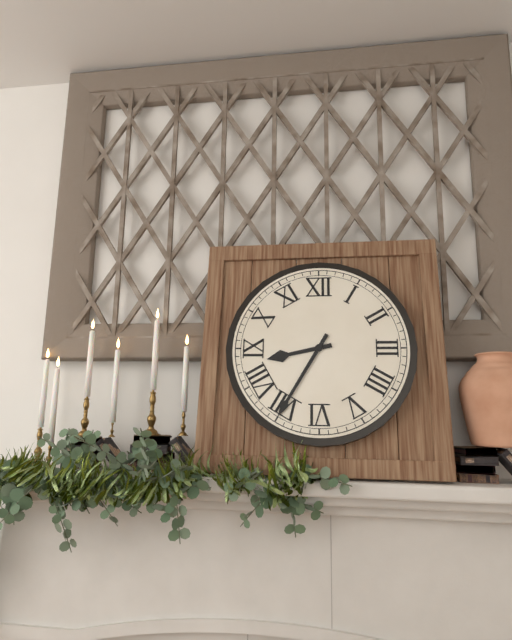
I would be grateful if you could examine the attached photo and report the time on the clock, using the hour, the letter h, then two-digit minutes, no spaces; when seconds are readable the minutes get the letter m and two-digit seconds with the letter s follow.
8h35
